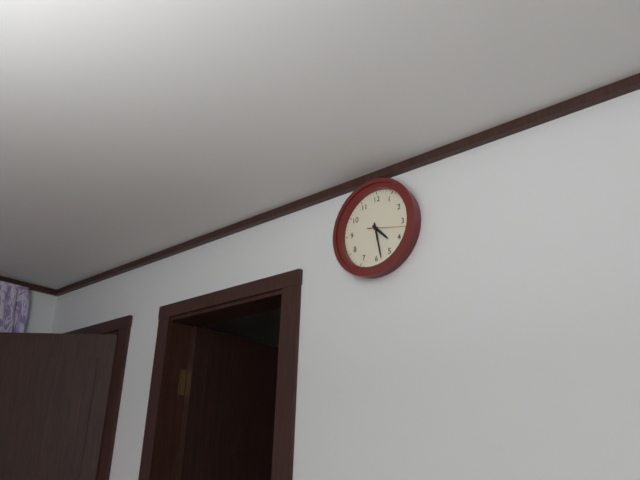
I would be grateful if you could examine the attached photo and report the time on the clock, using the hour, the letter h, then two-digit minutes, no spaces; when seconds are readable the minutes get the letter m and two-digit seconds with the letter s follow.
4h28
